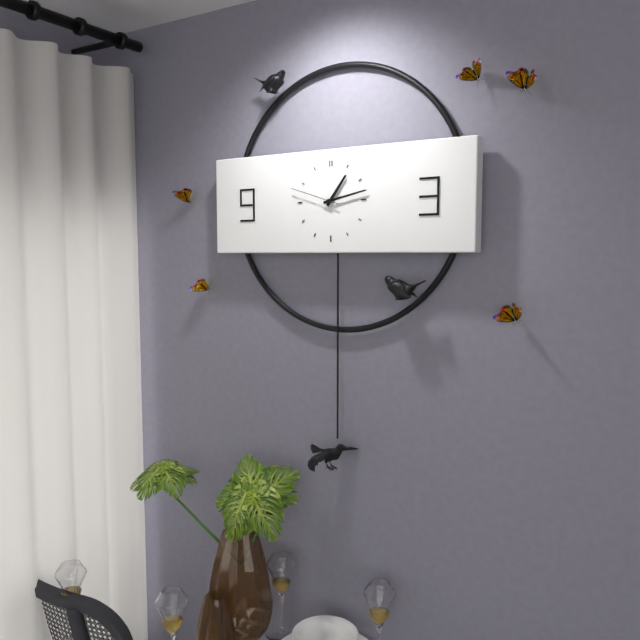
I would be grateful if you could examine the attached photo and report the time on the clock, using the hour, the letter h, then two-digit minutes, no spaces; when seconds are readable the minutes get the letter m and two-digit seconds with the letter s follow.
1h13m48s
